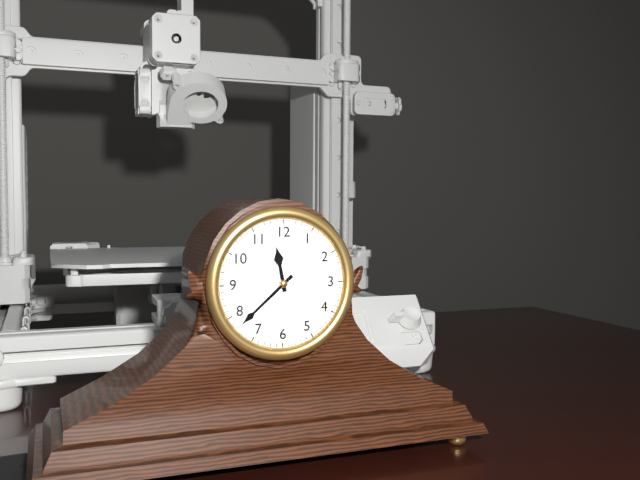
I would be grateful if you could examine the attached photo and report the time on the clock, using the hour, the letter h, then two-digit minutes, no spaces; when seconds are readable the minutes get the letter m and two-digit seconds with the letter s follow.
11h38
